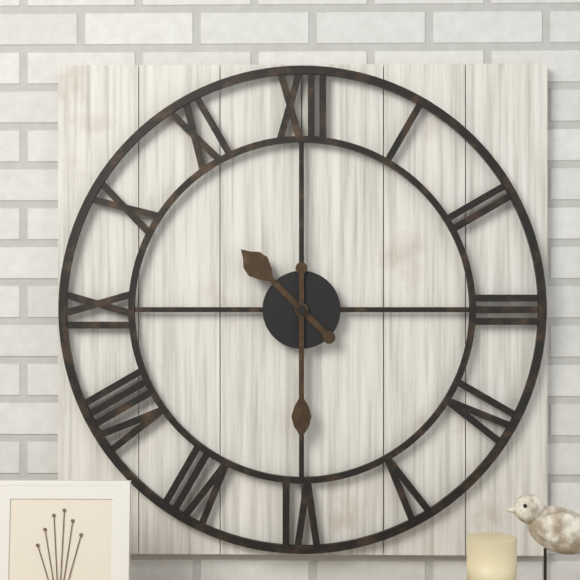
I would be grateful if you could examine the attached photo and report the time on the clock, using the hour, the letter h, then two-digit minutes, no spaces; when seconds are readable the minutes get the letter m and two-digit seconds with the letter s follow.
10h30
